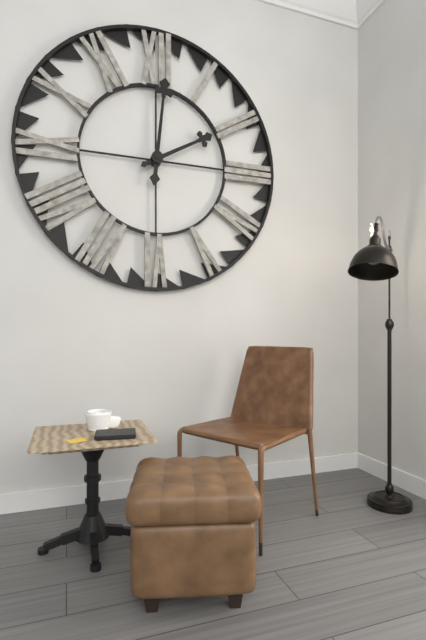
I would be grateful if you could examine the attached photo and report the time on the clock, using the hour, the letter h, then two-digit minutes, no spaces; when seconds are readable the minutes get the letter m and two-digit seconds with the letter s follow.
2h01
